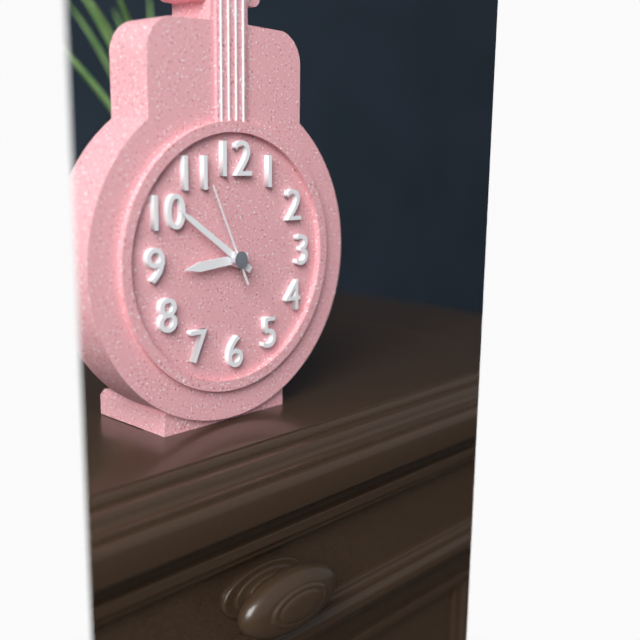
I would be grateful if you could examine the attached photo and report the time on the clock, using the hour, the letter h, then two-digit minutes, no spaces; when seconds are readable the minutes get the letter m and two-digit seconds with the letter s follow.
8h51m56s
